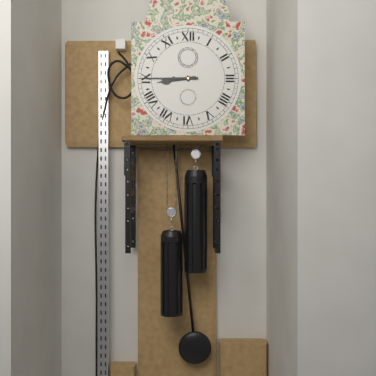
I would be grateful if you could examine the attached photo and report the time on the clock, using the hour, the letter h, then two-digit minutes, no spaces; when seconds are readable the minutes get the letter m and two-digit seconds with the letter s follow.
8h45
